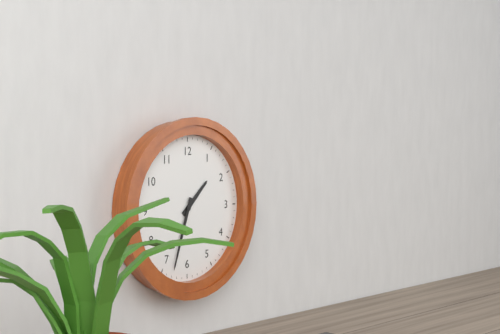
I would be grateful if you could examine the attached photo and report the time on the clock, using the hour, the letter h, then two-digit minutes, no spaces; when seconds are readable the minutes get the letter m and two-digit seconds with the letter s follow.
1h33
